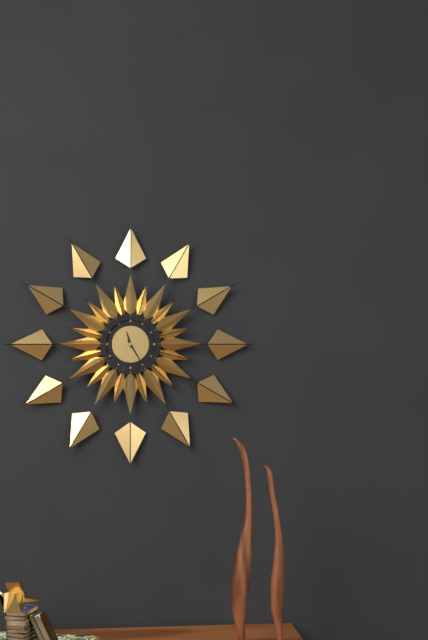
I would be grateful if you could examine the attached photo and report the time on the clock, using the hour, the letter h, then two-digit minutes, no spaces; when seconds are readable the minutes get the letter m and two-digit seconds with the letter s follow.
11h25
